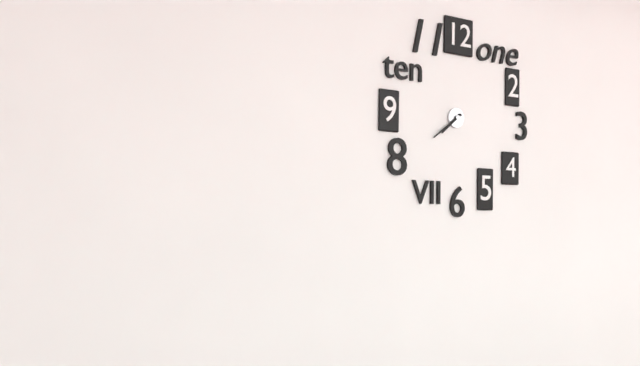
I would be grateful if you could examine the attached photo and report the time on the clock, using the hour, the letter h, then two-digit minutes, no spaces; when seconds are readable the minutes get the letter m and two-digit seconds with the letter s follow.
7h39
